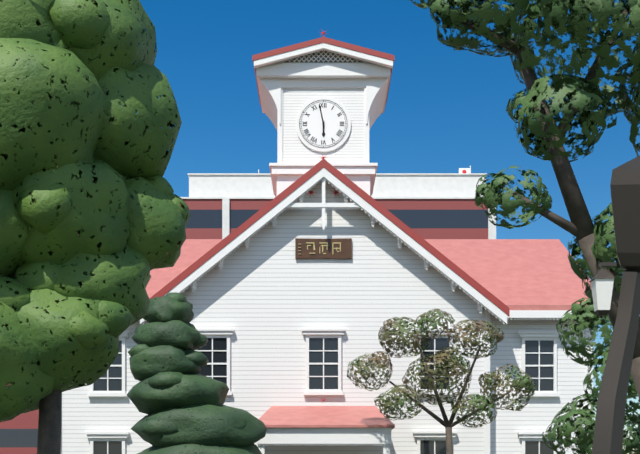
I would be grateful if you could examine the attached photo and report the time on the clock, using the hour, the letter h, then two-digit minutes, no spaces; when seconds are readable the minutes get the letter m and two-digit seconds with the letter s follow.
5h58
